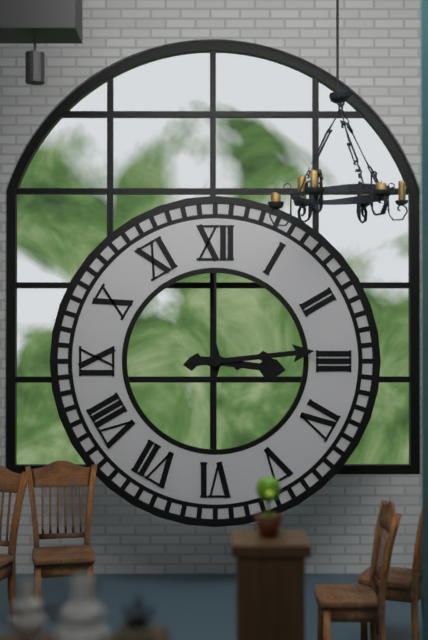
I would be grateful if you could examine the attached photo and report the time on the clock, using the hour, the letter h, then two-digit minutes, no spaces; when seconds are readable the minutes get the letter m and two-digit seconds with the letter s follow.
3h14
